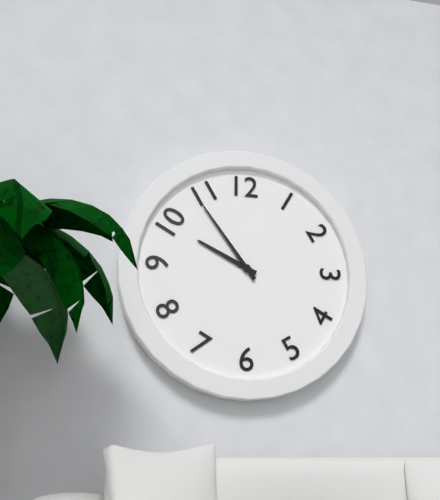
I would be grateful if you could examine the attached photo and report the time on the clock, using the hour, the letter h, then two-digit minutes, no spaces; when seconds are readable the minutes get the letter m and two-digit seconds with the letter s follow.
9h54
